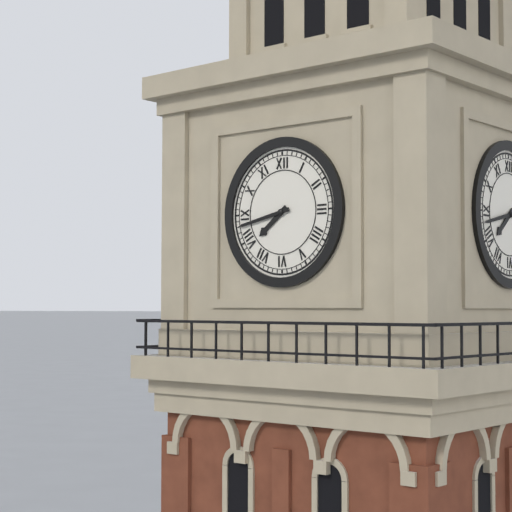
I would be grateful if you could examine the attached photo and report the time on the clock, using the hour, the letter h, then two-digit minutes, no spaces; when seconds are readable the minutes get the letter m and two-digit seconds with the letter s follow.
7h43
